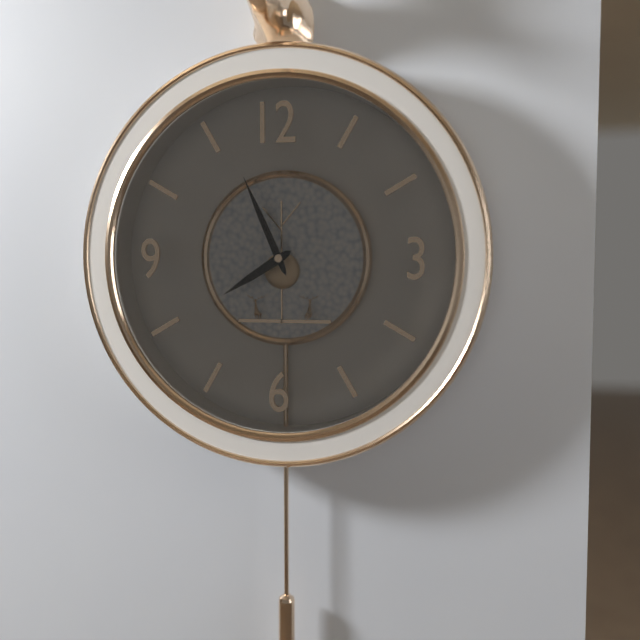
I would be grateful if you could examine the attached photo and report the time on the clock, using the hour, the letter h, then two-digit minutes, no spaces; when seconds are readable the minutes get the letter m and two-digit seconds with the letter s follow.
7h56
